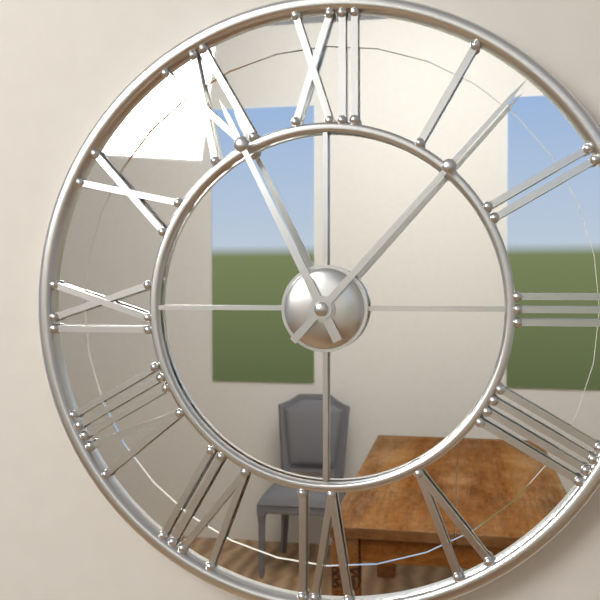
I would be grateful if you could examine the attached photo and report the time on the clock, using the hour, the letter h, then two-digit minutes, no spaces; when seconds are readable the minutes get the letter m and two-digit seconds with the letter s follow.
11h07
